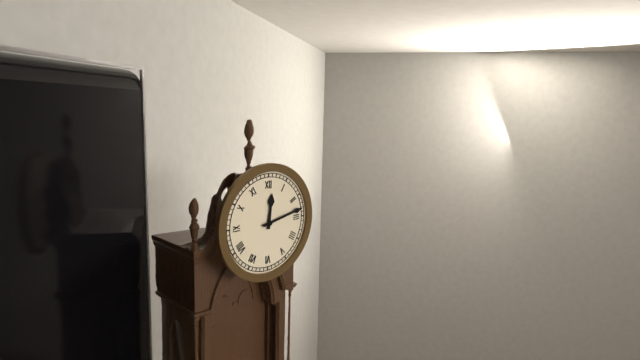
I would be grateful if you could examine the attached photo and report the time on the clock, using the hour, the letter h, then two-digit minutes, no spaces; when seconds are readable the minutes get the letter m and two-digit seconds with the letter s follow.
12h13
